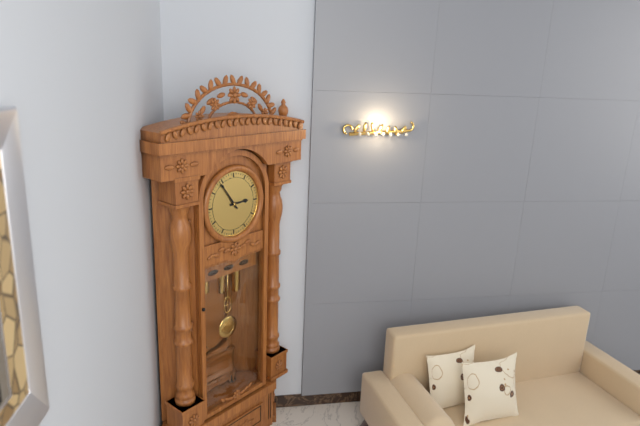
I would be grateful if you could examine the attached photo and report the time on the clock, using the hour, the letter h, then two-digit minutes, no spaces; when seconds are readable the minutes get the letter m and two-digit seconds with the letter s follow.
2h54
